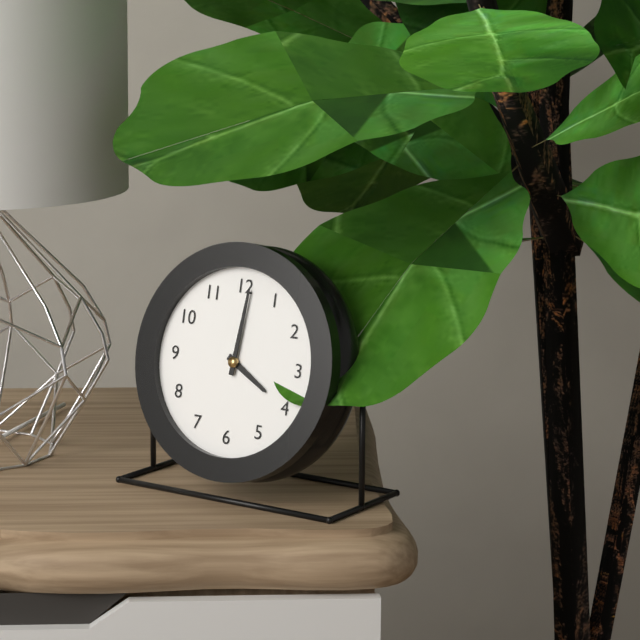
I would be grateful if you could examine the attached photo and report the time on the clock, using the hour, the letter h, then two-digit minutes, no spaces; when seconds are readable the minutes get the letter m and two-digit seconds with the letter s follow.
4h01
